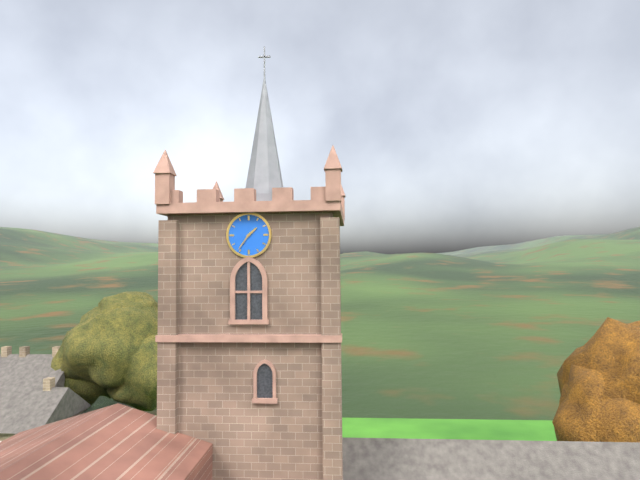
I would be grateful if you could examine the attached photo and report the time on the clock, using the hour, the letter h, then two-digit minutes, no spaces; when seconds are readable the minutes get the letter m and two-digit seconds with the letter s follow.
1h36
